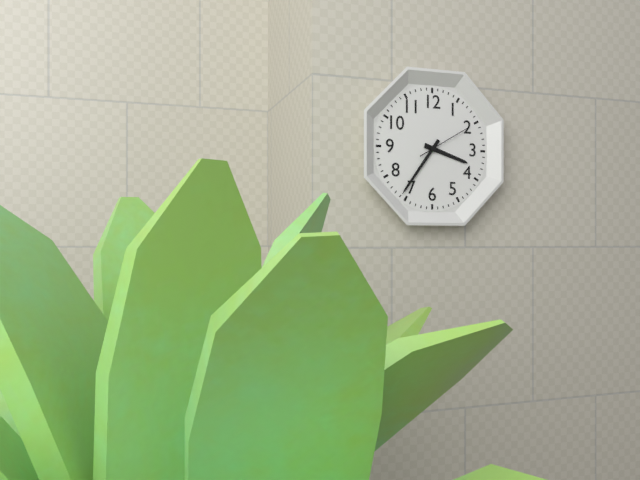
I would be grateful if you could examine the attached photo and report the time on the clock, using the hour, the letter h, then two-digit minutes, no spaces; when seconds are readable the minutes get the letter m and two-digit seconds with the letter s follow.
3h36m10s
